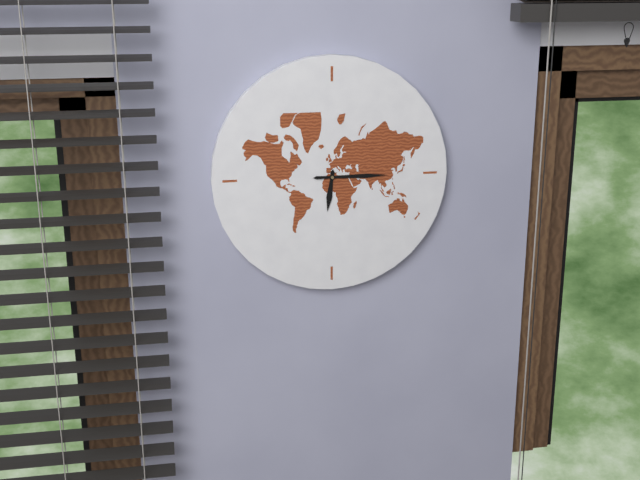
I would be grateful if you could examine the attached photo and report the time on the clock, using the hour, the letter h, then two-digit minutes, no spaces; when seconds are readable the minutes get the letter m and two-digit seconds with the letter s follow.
6h15
